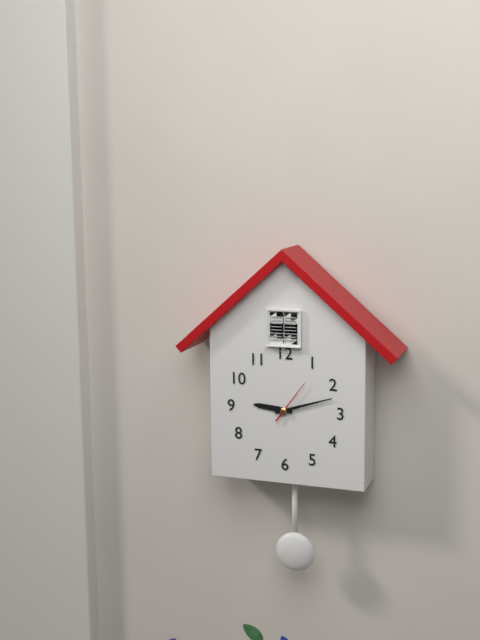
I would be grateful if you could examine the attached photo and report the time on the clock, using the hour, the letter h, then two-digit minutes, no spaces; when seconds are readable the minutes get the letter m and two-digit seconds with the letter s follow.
9h12
